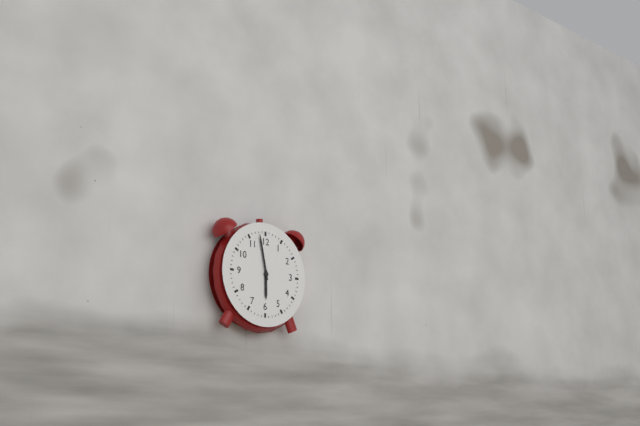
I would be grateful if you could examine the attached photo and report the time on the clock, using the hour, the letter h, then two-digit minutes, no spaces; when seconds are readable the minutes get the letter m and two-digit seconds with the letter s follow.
5h58
